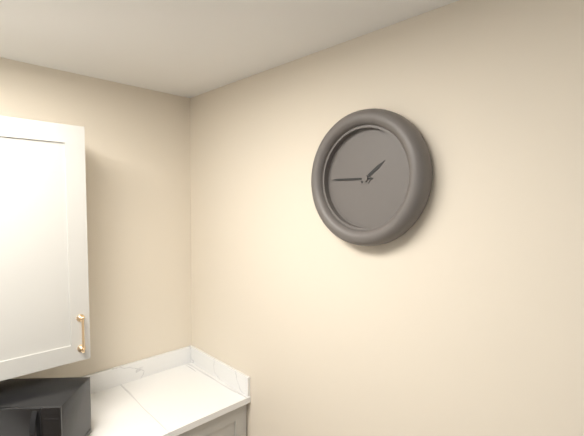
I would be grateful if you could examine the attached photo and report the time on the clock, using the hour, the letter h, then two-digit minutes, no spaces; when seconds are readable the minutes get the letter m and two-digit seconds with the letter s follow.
1h45
